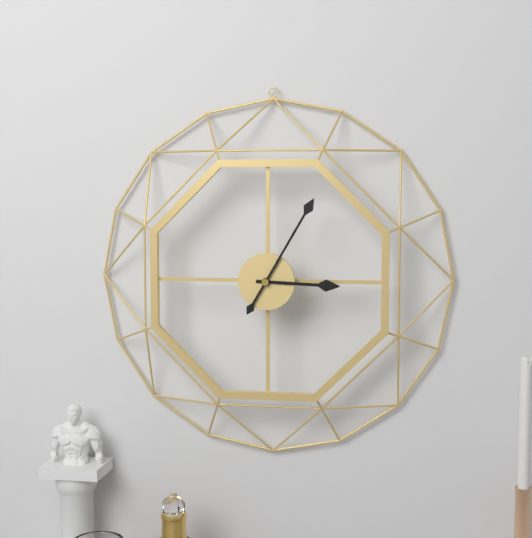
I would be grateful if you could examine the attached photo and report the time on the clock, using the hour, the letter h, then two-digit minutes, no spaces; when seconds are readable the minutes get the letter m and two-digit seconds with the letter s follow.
3h05
